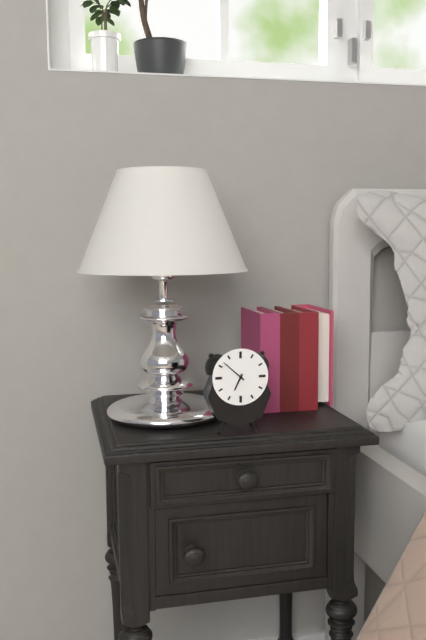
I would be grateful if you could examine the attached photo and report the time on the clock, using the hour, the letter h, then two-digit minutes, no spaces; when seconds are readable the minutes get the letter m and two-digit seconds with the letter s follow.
6h52
